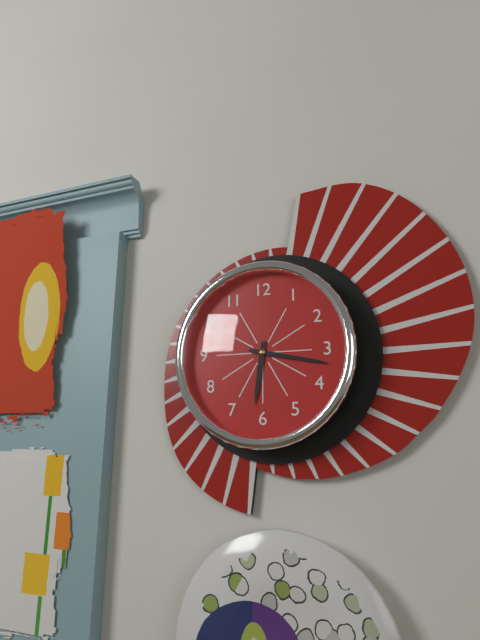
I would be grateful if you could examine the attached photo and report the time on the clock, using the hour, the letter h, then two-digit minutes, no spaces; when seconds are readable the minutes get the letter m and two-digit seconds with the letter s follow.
6h17
